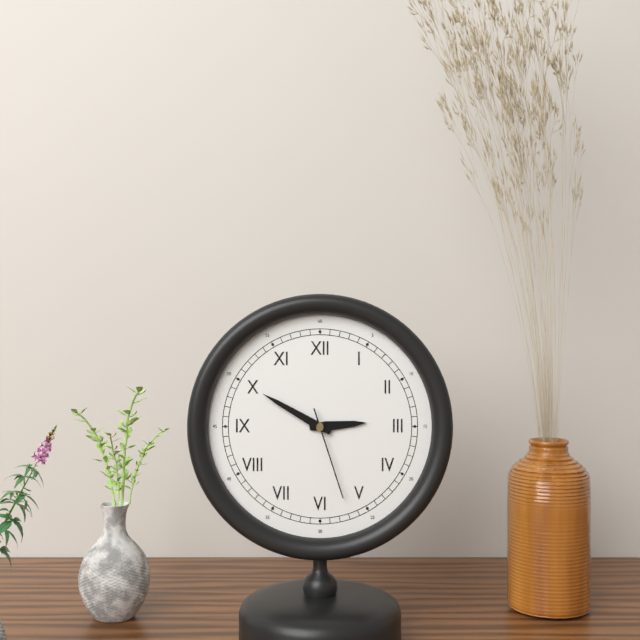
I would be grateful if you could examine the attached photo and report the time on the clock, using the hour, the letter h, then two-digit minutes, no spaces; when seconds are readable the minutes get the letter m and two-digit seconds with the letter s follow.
2h50m27s
